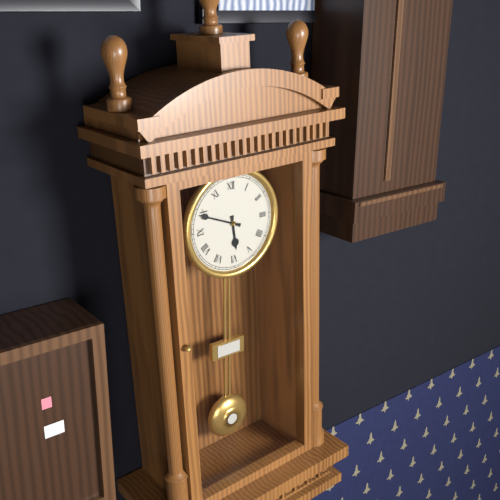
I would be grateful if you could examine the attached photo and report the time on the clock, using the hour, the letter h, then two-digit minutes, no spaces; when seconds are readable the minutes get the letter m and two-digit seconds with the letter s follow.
5h49
